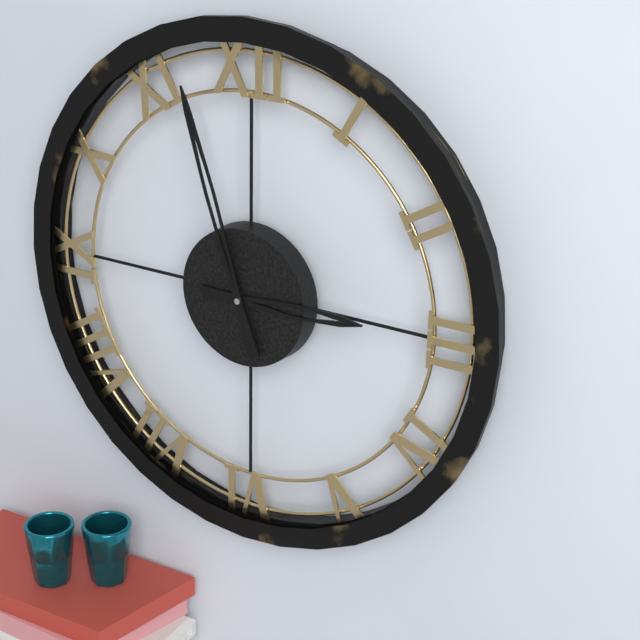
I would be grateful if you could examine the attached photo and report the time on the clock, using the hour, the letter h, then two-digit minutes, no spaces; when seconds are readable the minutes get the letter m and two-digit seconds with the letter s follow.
2h57
